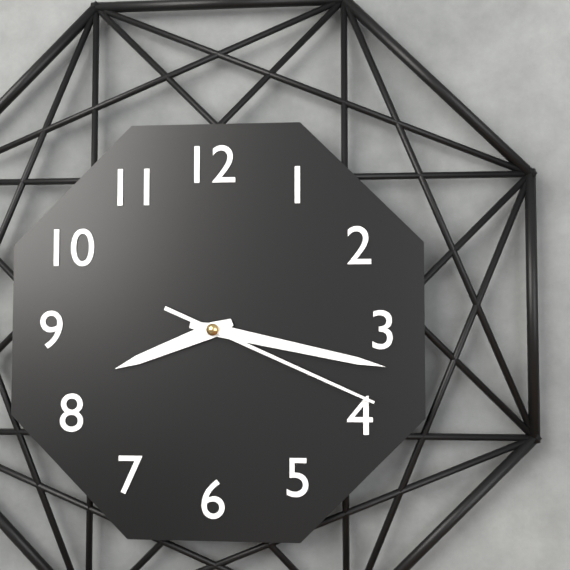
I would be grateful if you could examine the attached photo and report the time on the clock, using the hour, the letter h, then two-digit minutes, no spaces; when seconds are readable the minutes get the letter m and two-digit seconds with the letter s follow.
8h17m19s
